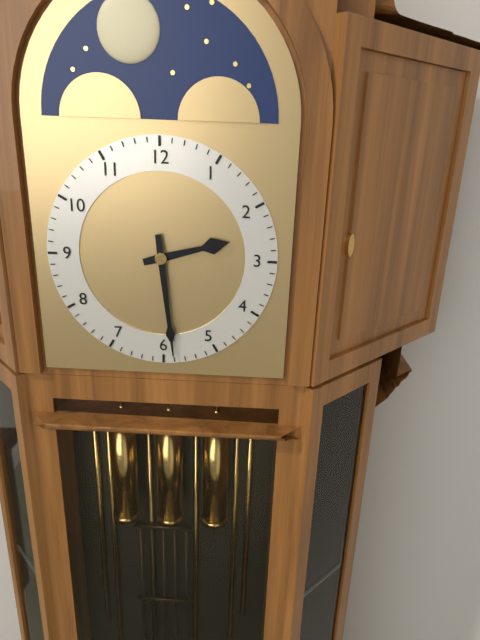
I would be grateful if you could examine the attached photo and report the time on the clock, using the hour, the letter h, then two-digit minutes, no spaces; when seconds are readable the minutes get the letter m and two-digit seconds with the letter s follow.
2h29
